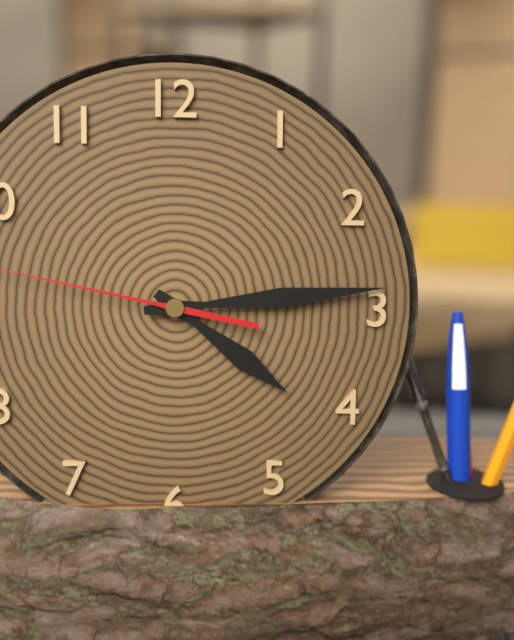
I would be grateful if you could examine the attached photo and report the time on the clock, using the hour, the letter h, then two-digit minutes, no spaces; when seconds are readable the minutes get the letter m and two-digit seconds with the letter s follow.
4h14
